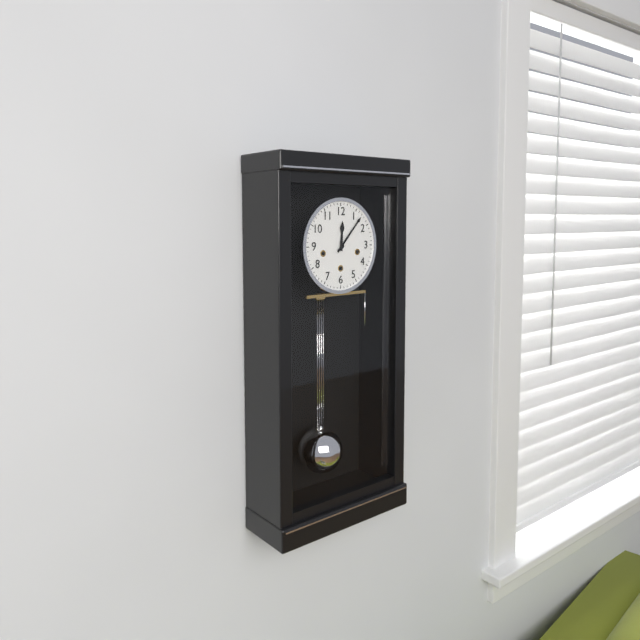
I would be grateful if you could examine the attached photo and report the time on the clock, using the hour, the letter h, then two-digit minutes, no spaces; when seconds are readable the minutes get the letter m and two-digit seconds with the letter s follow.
12h07
